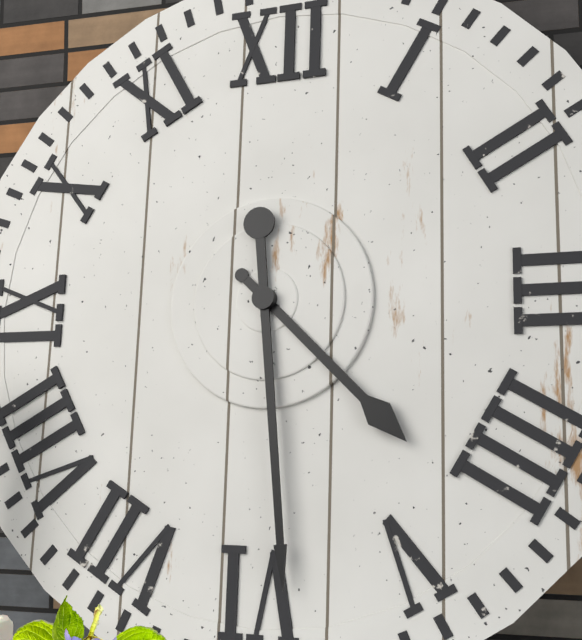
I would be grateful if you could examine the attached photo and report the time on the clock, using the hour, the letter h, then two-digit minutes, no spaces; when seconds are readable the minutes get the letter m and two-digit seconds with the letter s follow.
4h29
